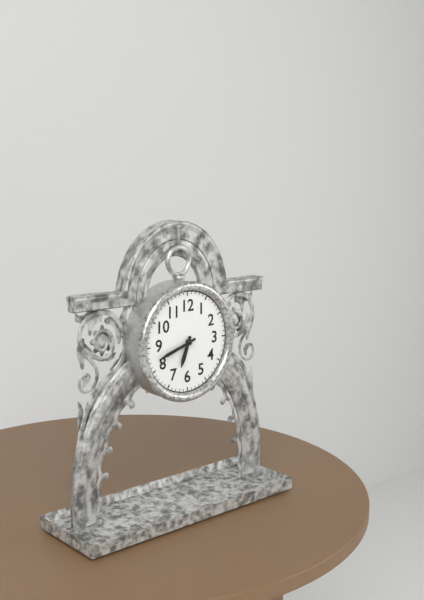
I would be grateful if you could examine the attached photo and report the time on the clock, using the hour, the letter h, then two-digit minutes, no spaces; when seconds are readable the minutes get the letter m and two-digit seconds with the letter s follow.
6h42
